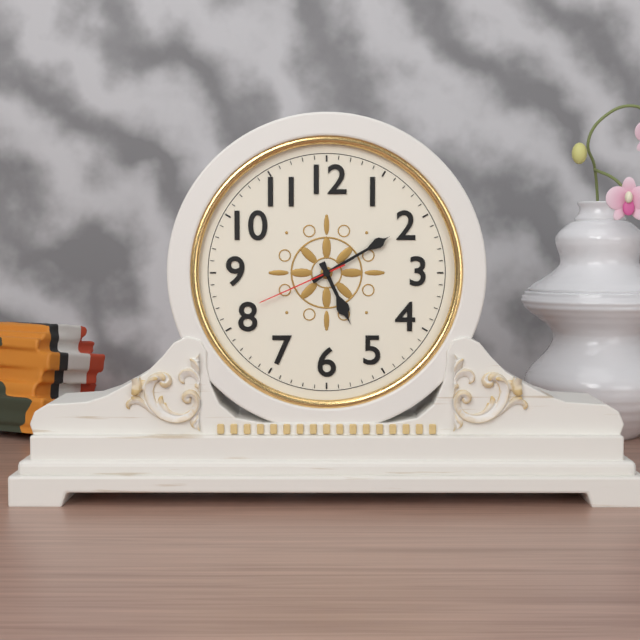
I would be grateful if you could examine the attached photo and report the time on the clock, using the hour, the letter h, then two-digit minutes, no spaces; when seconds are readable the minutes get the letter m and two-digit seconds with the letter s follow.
5h10m41s
